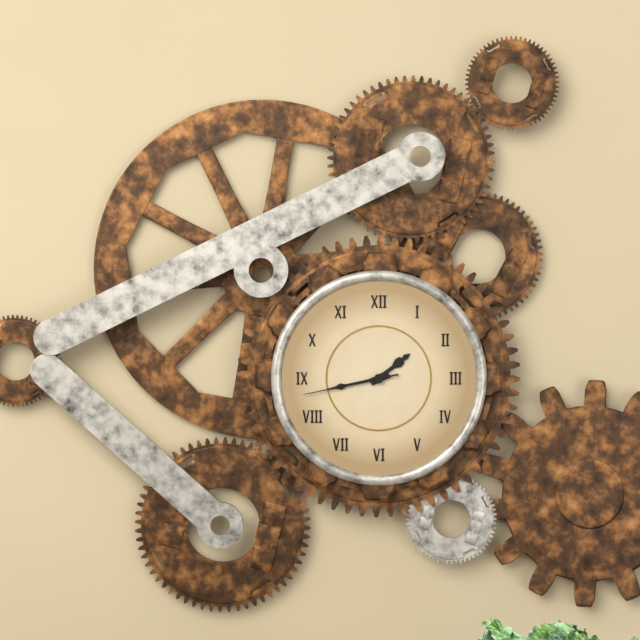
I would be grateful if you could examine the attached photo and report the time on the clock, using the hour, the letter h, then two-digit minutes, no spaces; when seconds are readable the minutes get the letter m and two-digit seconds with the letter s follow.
1h43m43s
